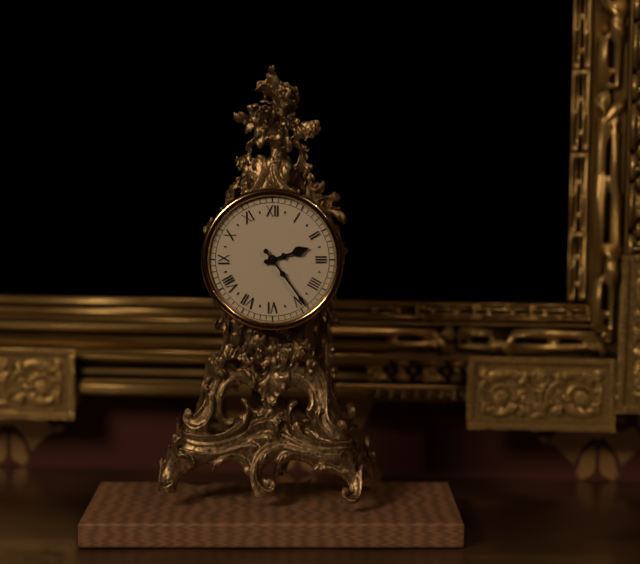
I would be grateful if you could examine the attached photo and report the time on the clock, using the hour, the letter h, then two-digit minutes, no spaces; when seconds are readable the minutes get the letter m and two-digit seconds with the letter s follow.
2h24
